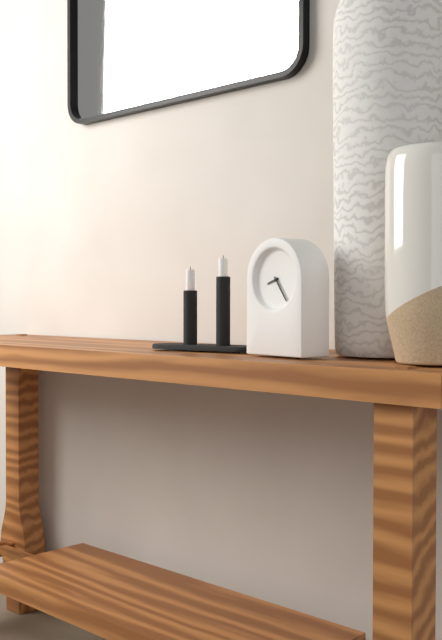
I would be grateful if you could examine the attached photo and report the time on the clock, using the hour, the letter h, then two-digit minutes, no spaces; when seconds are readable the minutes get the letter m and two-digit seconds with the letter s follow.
8h24
